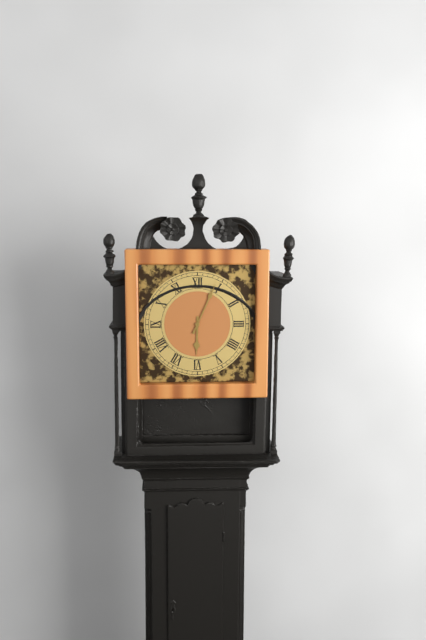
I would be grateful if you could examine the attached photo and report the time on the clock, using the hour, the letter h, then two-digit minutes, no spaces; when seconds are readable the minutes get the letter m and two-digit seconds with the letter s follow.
6h04
